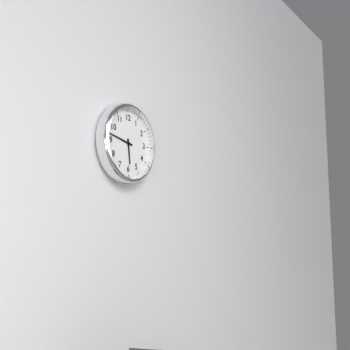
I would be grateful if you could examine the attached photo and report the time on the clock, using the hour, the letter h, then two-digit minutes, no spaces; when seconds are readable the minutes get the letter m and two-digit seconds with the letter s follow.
5h47
